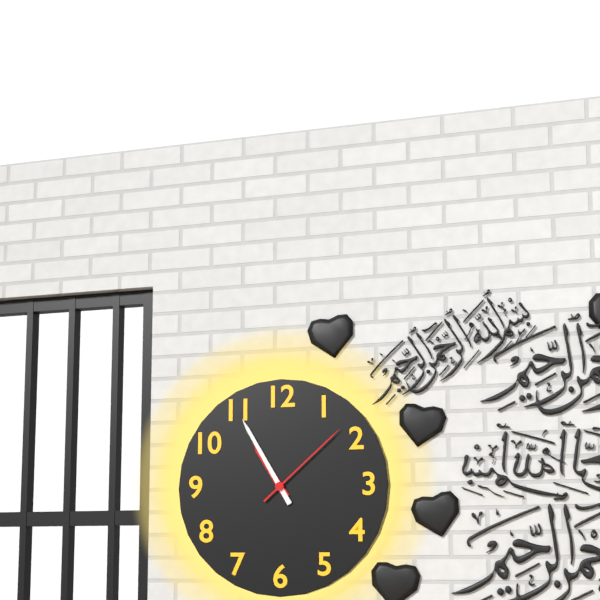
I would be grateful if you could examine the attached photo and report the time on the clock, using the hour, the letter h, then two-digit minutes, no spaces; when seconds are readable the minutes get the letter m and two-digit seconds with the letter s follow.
10h55m08s
